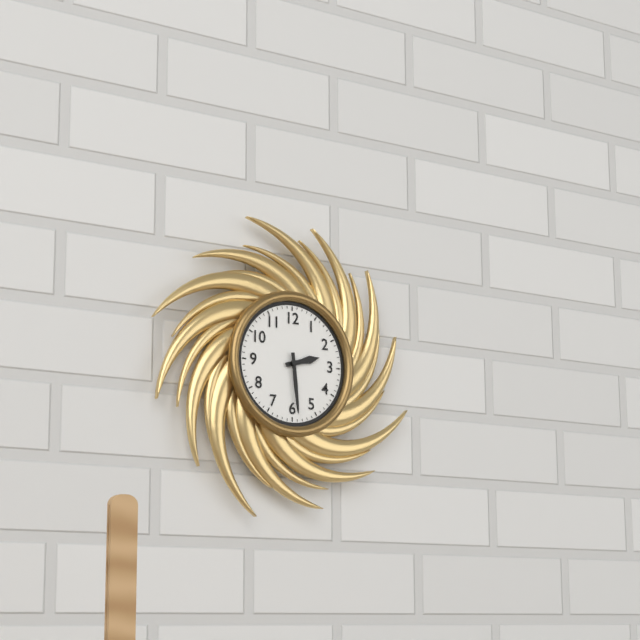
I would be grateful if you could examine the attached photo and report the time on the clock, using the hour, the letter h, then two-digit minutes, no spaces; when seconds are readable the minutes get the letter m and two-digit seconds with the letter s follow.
2h29
